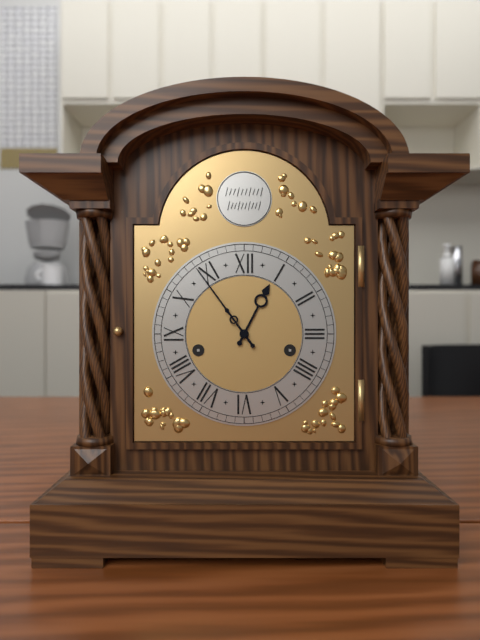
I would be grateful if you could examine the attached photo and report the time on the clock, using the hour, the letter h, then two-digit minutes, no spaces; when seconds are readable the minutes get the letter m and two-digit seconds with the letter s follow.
12h54
